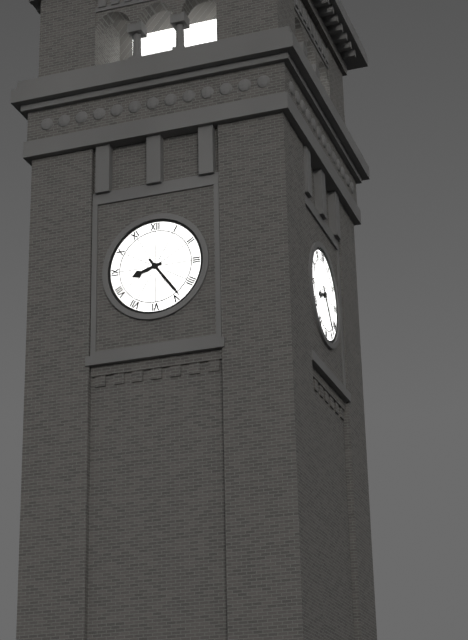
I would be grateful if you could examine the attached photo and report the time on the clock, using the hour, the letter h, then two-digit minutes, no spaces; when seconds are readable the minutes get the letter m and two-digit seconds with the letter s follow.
8h24
